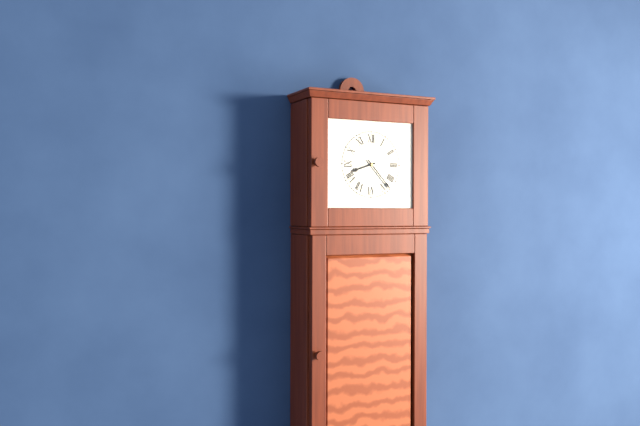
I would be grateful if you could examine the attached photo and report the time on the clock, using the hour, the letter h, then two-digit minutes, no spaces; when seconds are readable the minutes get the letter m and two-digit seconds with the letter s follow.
8h23
